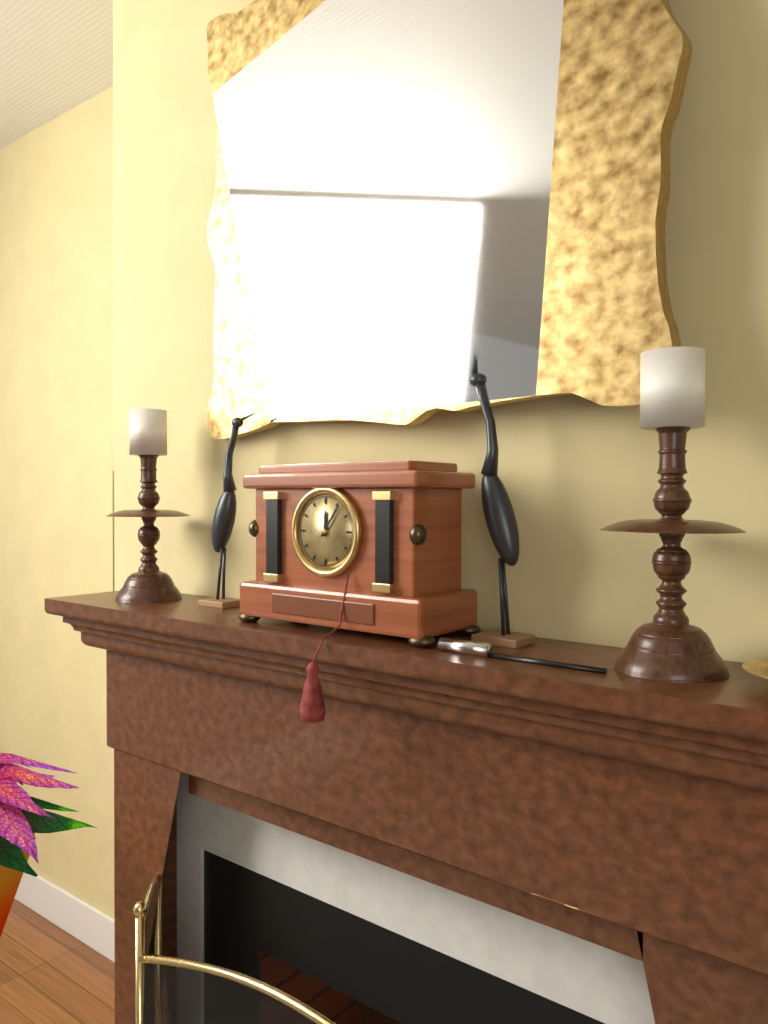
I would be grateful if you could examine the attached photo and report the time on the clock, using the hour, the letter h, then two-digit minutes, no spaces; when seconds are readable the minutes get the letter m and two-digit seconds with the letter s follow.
12h06
